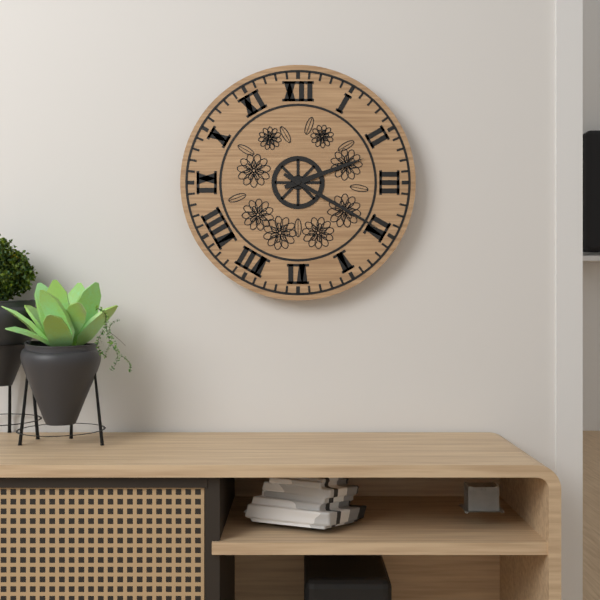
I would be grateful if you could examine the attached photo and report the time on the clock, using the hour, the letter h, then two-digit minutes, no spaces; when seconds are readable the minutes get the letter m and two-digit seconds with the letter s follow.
2h20
